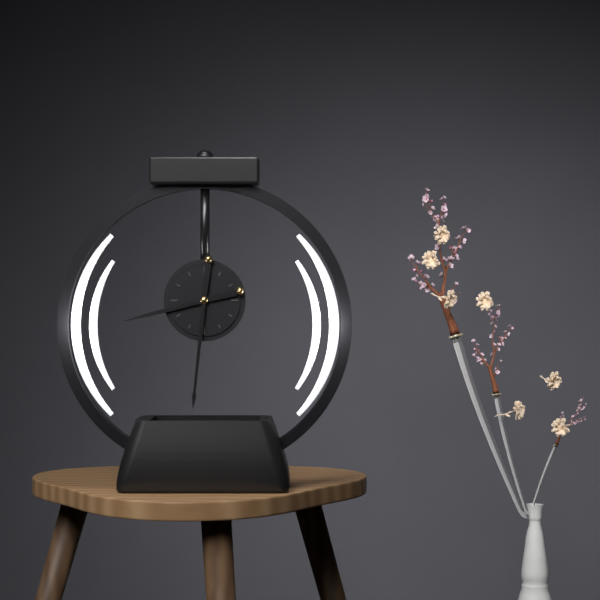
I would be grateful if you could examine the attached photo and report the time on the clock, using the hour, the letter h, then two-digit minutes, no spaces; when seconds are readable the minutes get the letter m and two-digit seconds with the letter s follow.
8h31
